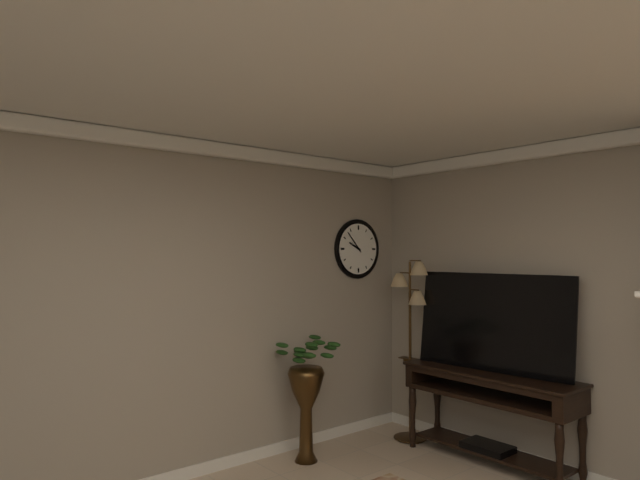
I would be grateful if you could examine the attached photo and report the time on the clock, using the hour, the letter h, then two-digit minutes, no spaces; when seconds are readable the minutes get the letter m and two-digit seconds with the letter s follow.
9h53
